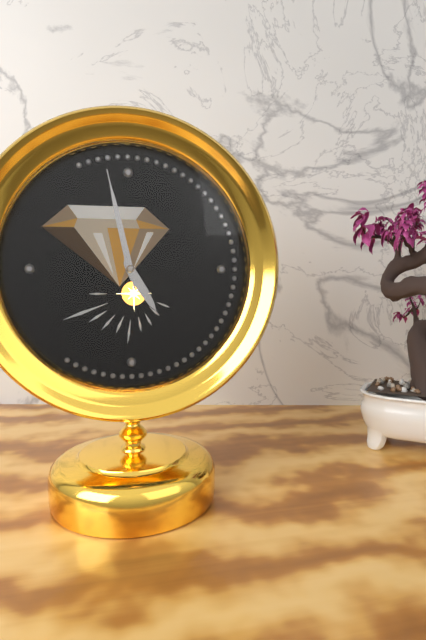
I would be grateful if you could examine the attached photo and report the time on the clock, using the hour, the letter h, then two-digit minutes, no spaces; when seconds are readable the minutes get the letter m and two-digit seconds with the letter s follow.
4h58m58s
